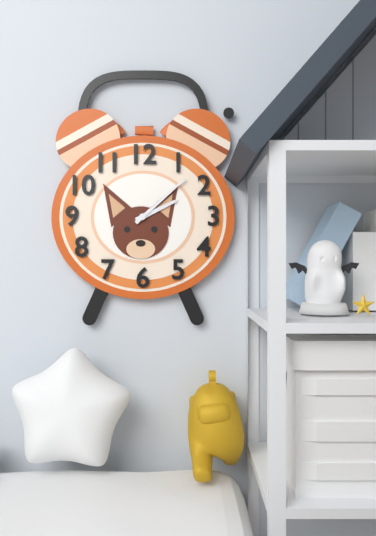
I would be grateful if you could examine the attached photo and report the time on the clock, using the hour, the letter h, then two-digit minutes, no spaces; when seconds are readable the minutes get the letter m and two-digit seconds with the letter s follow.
2h08
